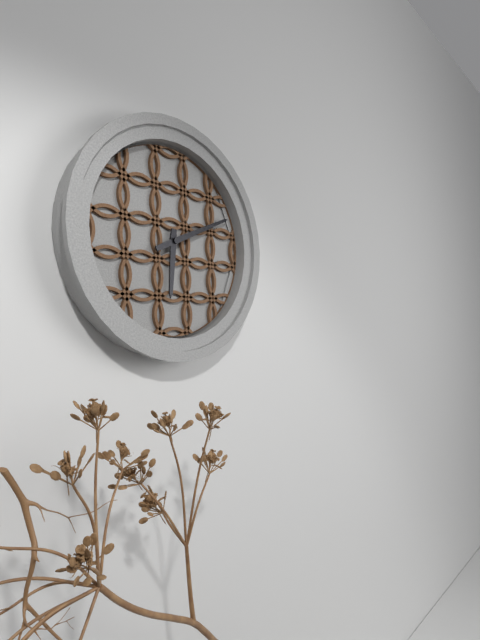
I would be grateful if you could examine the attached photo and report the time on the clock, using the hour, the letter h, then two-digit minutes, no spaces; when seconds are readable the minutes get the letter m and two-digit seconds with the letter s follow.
6h11
